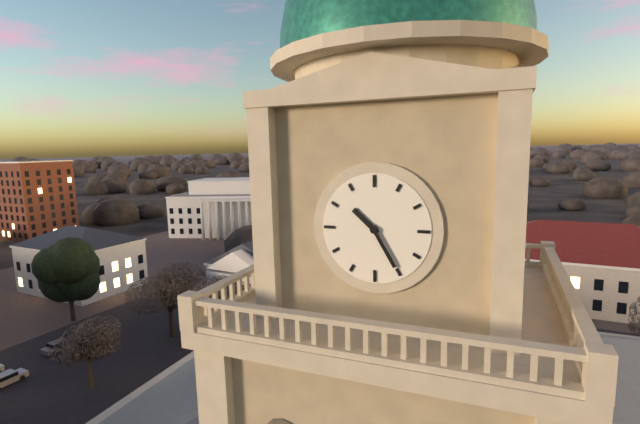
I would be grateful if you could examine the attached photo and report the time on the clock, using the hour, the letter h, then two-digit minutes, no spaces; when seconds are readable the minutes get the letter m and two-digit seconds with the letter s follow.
10h25
